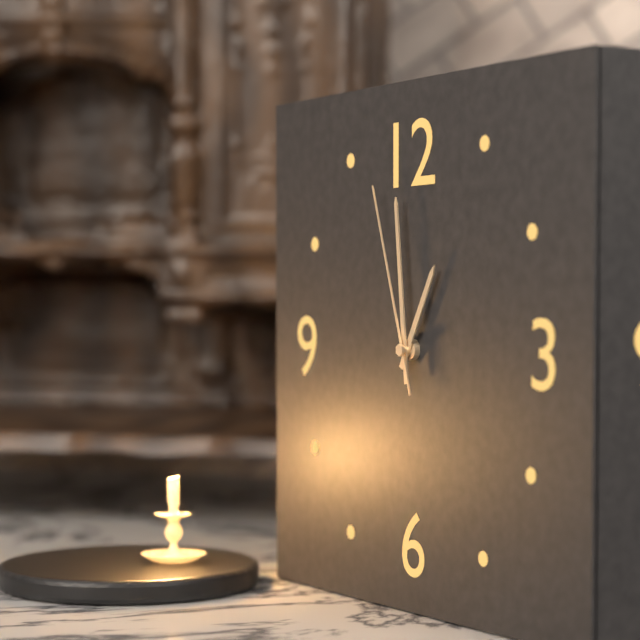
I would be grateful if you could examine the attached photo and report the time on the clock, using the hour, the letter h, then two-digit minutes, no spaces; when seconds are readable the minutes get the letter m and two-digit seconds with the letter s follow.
12h59m57s
